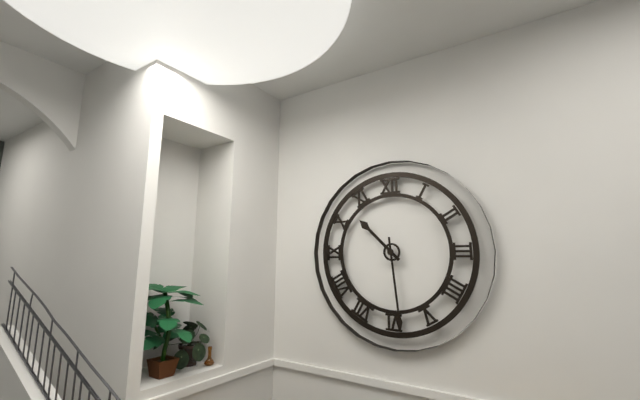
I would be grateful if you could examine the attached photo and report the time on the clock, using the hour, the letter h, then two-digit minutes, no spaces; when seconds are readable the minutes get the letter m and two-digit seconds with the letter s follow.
10h29
